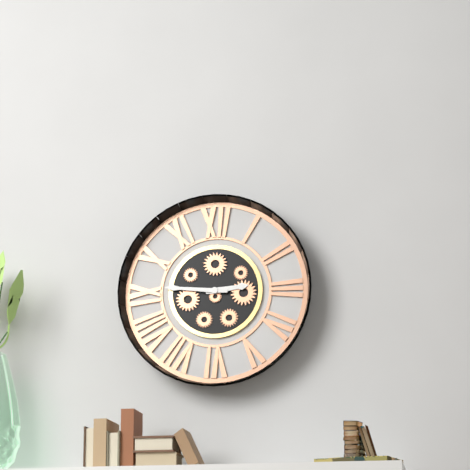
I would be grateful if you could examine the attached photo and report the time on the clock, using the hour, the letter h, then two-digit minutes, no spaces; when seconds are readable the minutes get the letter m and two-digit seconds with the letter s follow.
2h46
